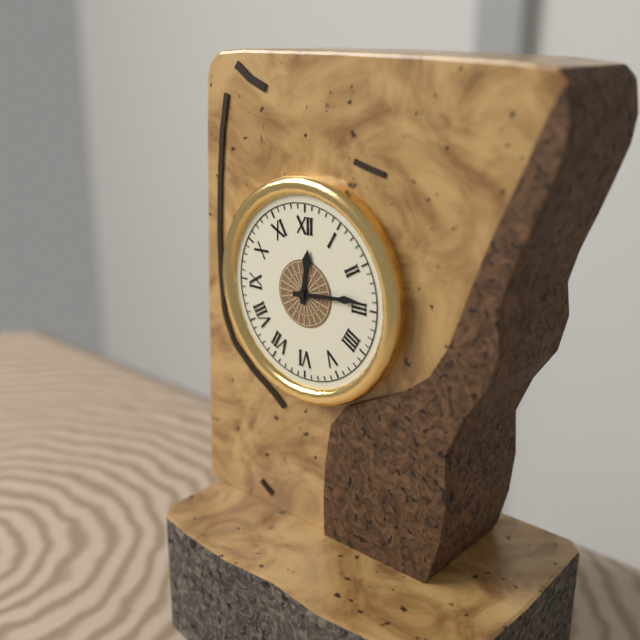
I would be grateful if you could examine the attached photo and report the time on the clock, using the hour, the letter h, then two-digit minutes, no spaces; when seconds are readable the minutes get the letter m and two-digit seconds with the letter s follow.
12h14
